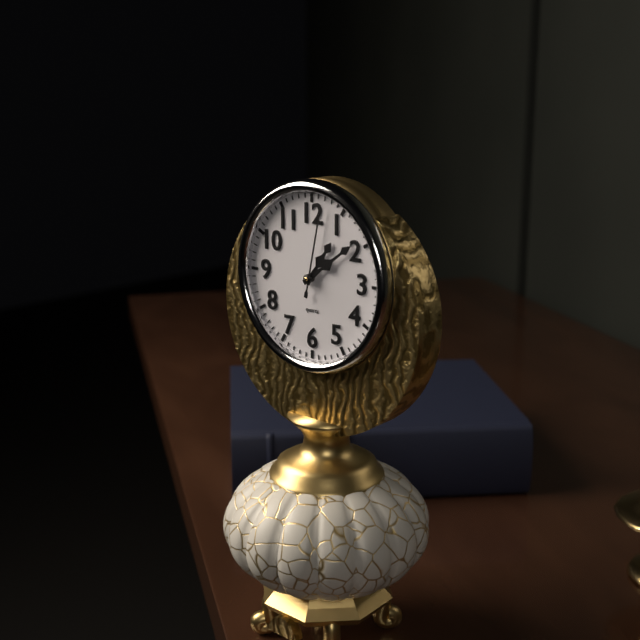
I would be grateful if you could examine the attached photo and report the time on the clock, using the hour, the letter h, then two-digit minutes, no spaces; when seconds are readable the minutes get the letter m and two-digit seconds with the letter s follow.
1h09m02s
